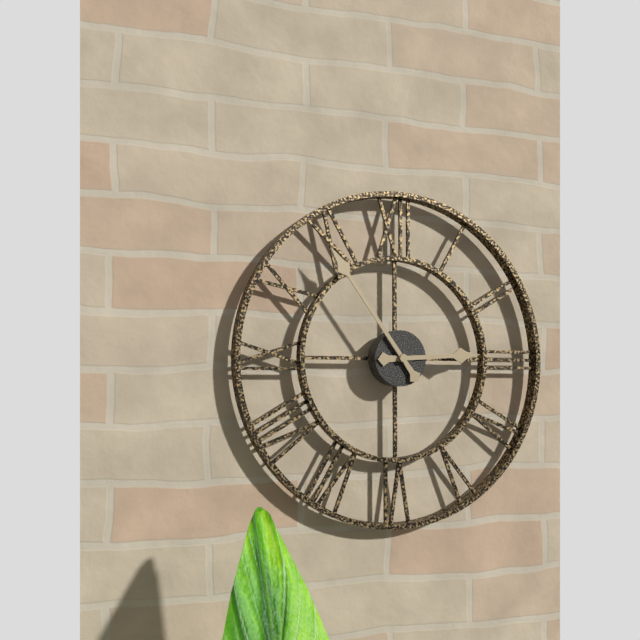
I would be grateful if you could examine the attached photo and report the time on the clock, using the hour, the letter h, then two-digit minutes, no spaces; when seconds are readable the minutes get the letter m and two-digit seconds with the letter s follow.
2h54
